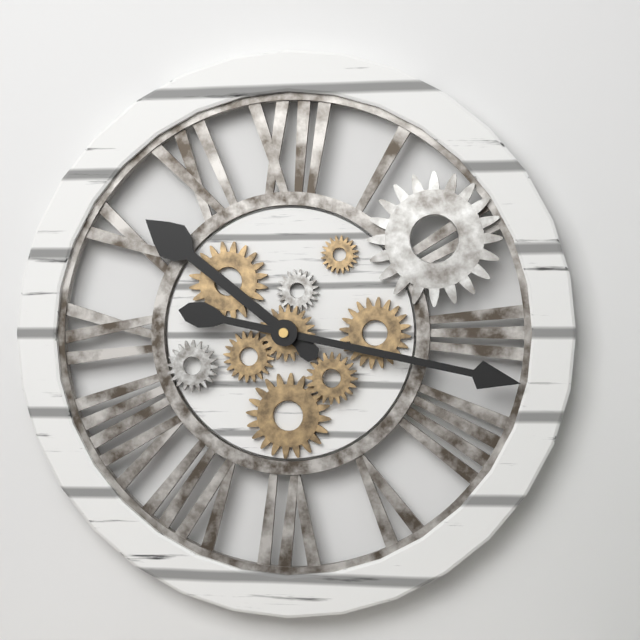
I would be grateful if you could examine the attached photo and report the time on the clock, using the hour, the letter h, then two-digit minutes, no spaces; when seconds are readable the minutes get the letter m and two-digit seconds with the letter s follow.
10h17
